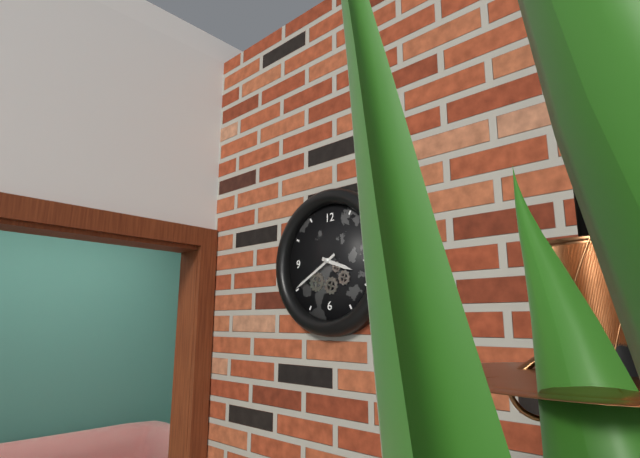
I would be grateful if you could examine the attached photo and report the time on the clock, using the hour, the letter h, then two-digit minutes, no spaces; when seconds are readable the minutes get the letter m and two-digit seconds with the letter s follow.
3h40
